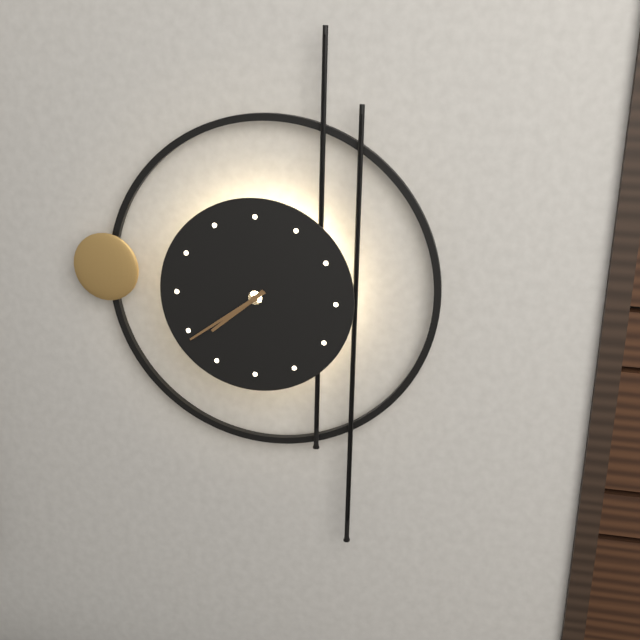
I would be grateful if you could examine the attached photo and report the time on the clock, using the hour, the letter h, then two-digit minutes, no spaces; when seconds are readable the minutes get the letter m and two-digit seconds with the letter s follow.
7h39
